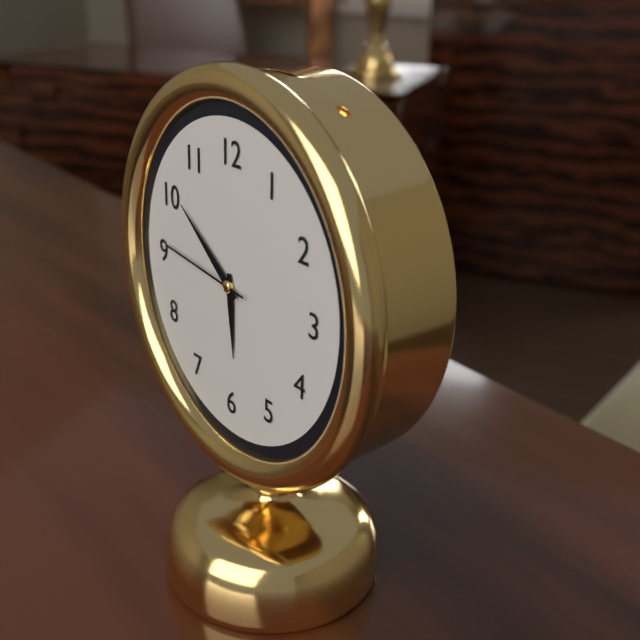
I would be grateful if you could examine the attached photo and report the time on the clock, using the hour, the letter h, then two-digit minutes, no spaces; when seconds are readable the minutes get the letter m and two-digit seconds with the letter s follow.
5h51m46s
